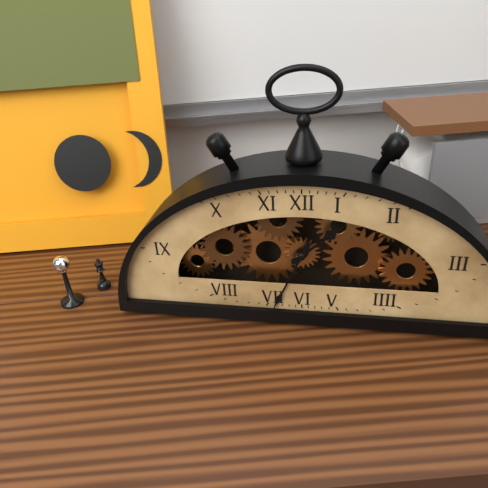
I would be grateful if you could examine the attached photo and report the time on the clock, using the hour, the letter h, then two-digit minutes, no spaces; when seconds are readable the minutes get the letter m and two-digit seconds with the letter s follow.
1h34
